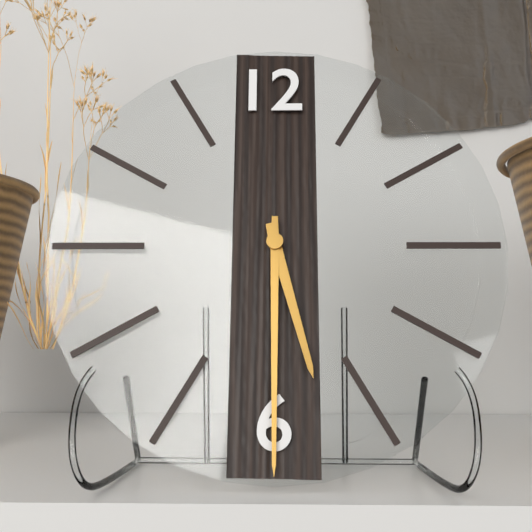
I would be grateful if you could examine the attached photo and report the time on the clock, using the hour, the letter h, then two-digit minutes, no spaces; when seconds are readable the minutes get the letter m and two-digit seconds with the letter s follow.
5h30
